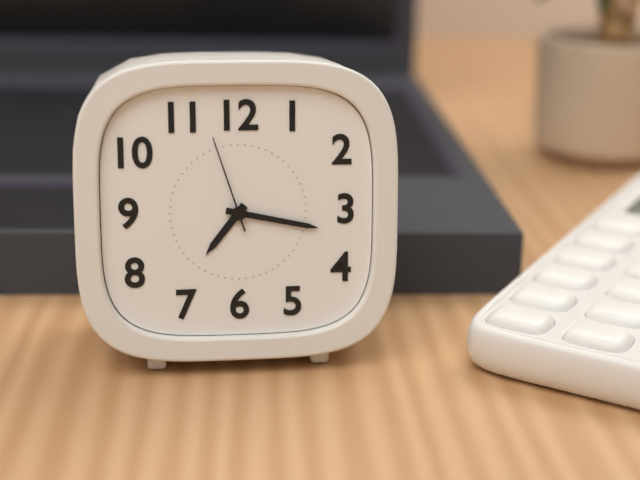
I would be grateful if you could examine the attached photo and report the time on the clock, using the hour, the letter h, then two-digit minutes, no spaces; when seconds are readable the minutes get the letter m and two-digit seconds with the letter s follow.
7h17m57s
